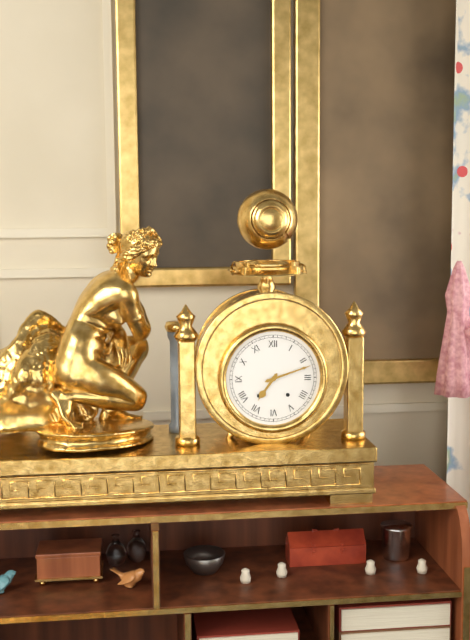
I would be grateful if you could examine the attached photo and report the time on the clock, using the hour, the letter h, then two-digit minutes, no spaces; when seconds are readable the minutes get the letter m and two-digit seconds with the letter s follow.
7h12
